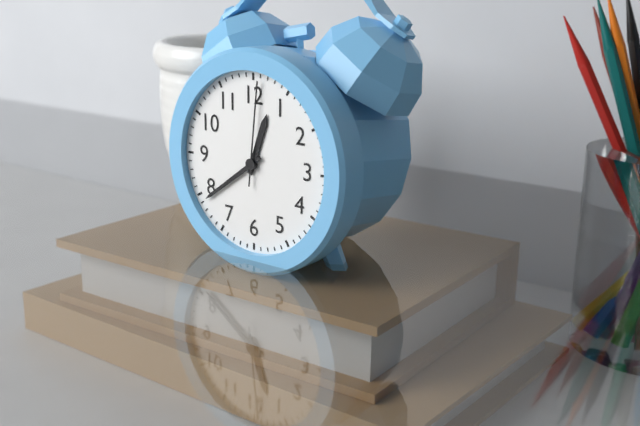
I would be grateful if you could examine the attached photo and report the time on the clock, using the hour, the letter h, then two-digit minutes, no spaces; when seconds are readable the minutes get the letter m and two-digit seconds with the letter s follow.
12h39m01s
